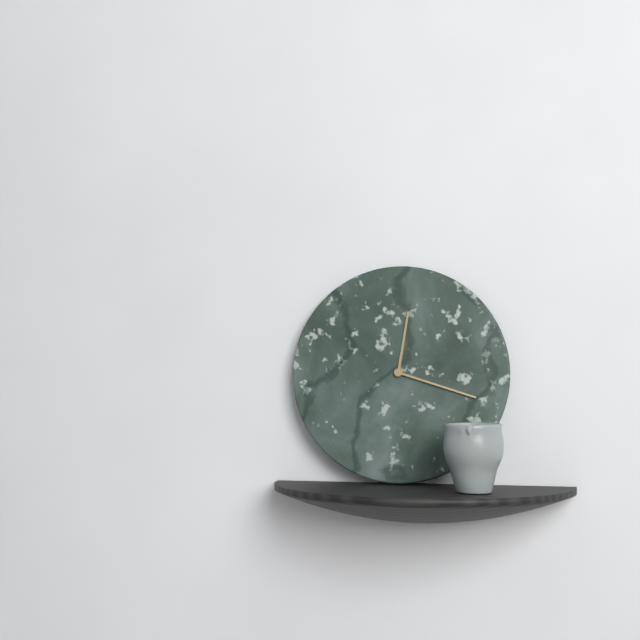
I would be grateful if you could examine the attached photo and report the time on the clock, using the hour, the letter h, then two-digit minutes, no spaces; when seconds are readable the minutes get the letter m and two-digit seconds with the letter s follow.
12h18
